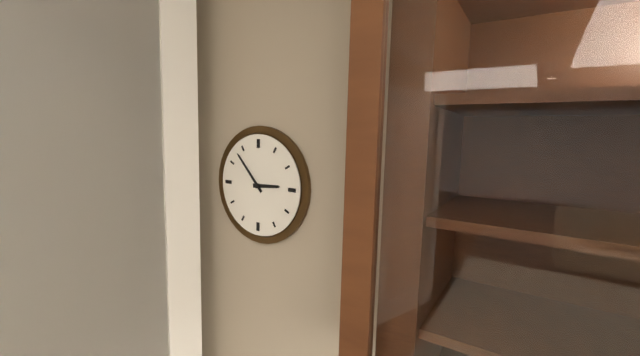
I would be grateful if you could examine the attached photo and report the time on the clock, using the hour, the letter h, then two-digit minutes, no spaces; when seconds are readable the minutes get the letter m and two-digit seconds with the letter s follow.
2h53
